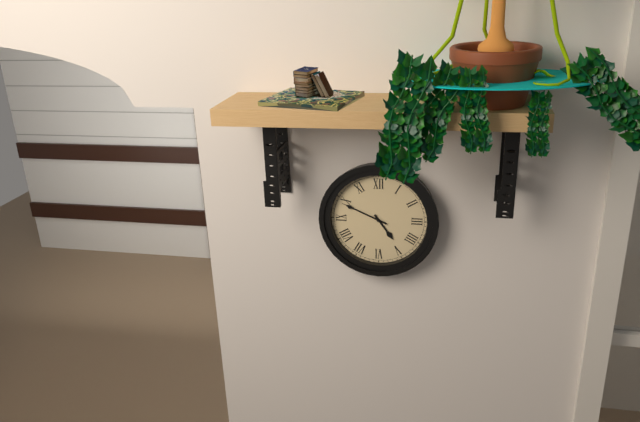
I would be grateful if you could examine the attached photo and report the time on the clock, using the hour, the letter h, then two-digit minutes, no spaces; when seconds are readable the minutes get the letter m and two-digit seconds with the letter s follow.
4h49
